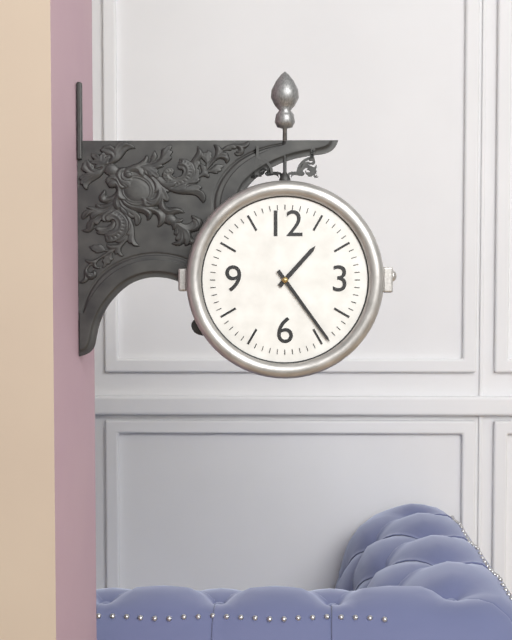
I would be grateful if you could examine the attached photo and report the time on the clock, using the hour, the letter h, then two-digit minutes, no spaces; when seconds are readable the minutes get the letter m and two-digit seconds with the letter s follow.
1h24
